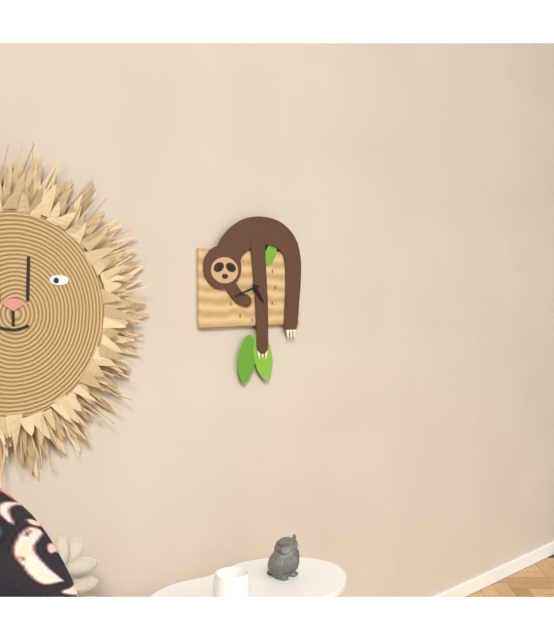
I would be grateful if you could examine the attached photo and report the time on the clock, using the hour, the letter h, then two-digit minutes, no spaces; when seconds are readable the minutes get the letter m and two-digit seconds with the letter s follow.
4h42
